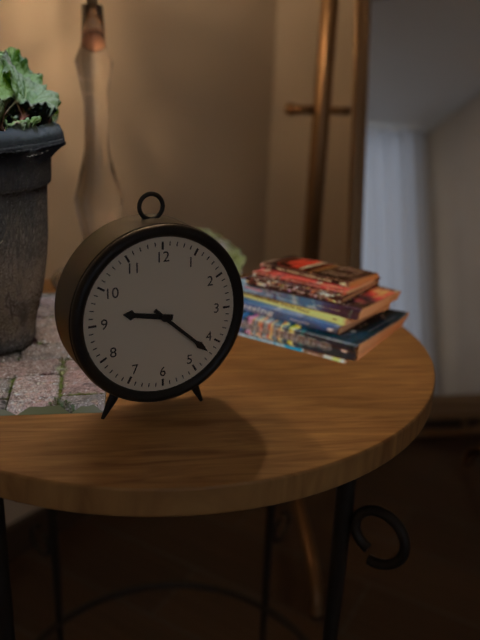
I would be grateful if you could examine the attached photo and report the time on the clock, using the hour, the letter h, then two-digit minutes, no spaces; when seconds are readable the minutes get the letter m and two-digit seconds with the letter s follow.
9h22
